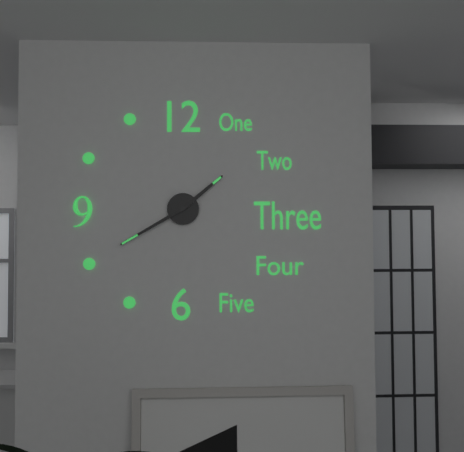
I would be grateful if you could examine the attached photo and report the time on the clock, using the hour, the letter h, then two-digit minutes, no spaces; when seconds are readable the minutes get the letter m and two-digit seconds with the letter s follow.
1h40
